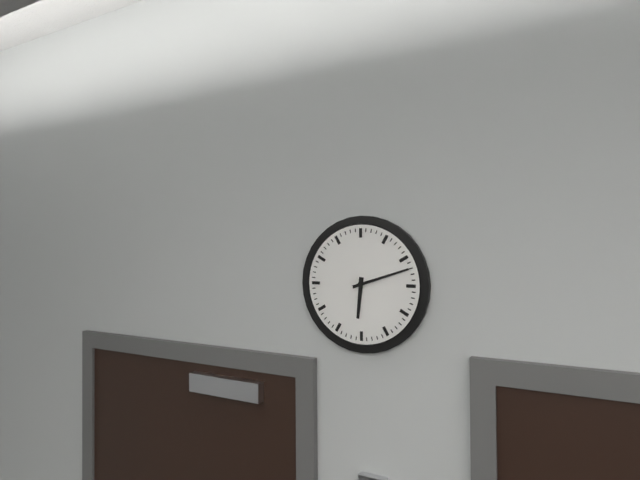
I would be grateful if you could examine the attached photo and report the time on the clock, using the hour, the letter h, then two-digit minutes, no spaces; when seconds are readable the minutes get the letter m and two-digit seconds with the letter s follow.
6h12
